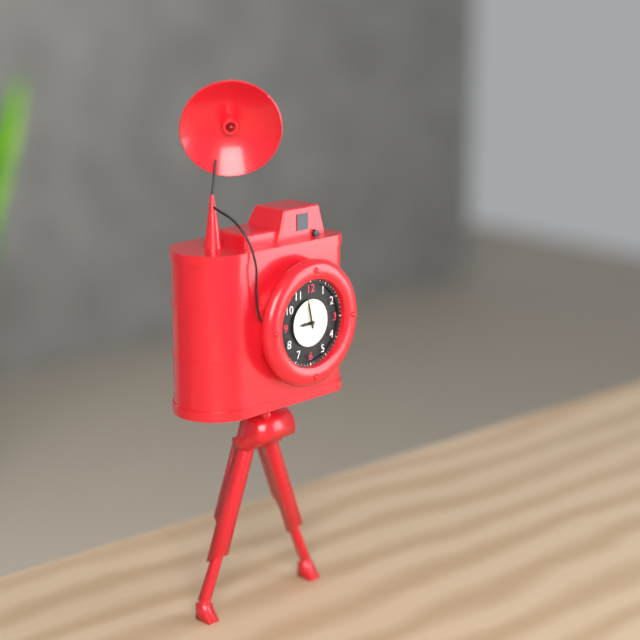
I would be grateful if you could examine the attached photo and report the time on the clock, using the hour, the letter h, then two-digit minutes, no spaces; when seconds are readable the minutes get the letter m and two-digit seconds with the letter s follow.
8h58
